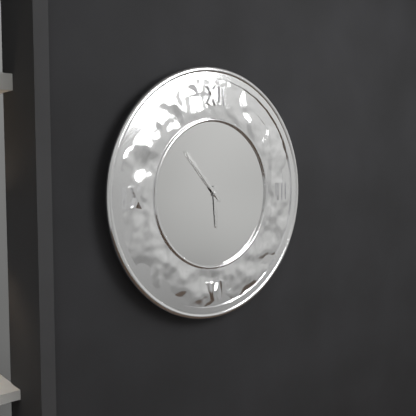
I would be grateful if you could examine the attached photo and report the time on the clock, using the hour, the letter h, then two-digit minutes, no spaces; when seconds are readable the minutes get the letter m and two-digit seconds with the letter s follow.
5h53
